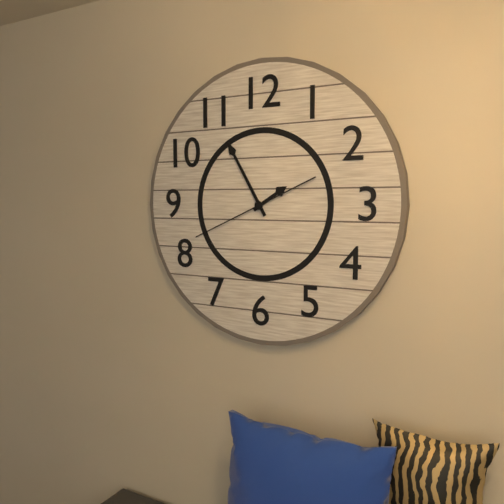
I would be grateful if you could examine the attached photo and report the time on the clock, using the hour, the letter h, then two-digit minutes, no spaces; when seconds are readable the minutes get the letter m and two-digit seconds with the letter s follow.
1h55m41s
